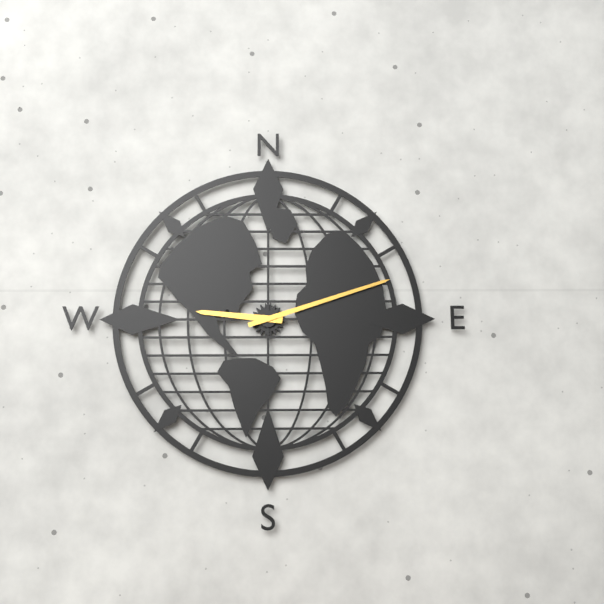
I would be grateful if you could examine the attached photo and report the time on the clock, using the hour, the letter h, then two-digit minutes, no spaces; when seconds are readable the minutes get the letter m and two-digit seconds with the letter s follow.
9h12
